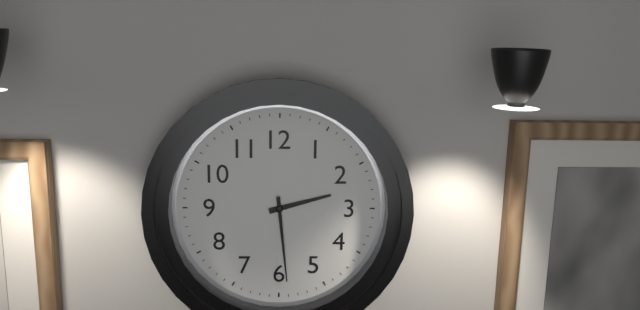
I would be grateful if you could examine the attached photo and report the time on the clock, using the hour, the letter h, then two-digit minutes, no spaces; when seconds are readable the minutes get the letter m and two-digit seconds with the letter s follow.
2h29
